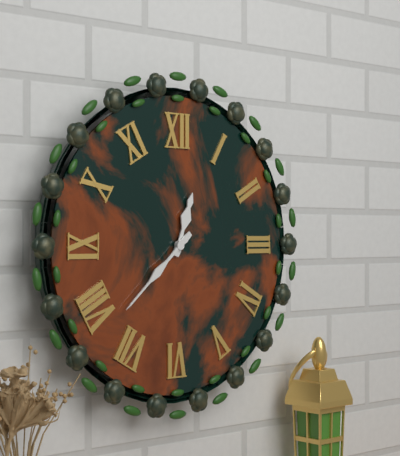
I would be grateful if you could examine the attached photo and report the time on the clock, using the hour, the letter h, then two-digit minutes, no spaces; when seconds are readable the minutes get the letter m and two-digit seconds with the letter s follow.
12h38
